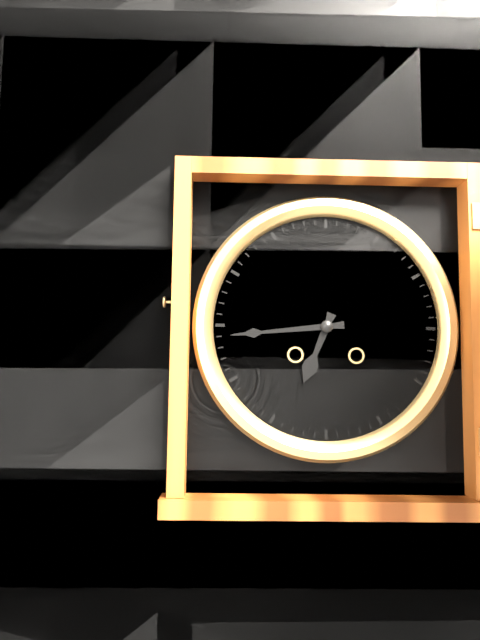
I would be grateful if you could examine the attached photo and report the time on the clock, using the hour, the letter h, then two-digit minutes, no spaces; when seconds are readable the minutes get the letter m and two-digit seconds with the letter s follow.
6h44
